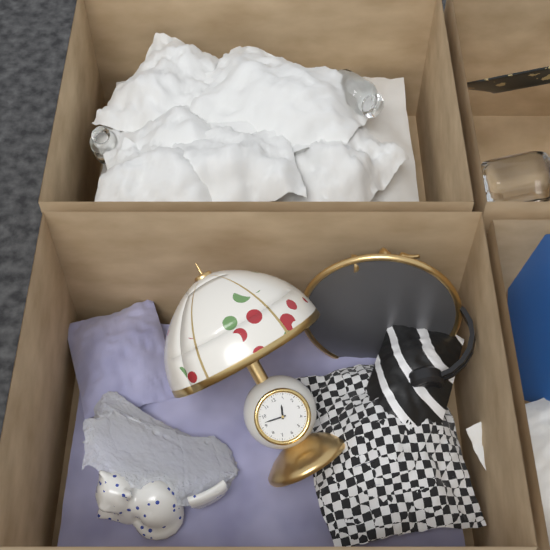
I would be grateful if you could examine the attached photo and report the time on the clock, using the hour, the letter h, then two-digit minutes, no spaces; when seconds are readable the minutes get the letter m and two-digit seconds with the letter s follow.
12h47
